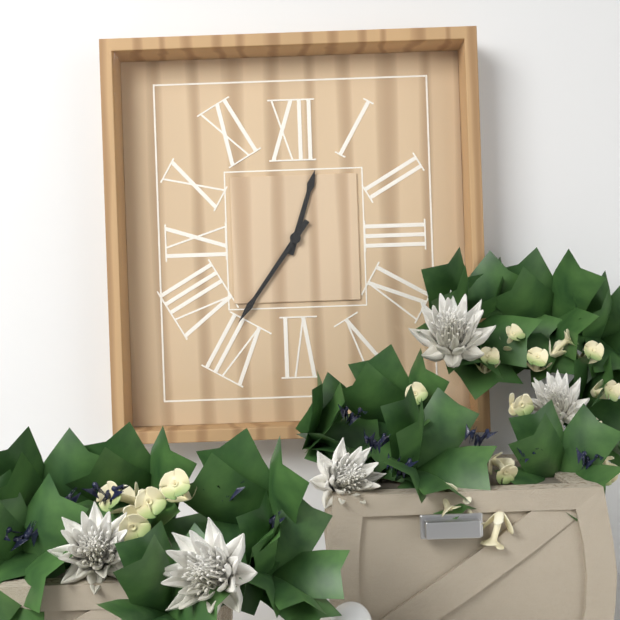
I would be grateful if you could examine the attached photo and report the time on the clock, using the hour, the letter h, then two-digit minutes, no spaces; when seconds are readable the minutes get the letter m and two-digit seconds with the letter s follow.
12h36
